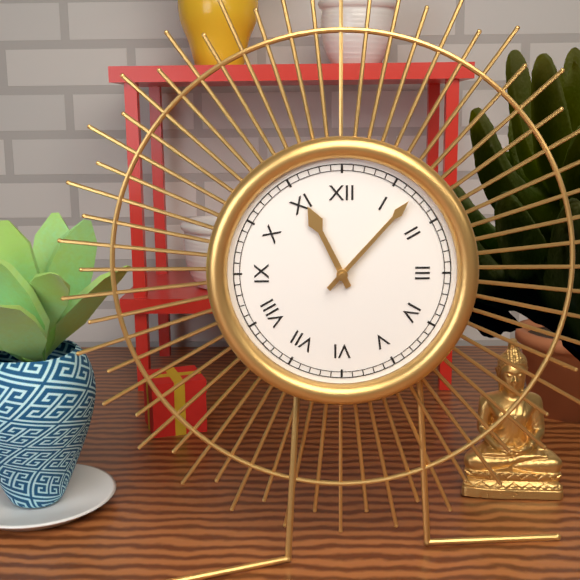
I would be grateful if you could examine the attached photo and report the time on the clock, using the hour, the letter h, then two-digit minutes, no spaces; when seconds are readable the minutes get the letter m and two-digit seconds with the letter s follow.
11h07
